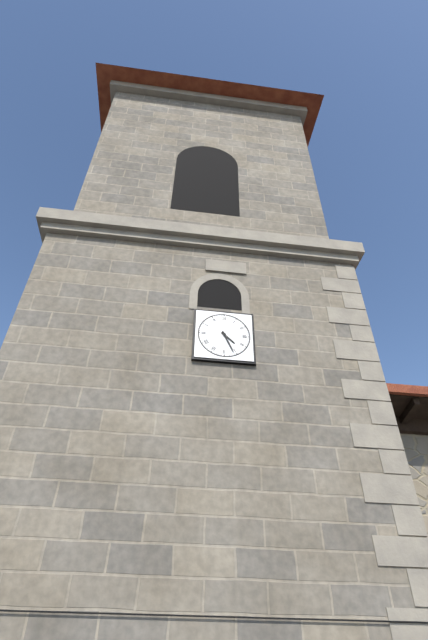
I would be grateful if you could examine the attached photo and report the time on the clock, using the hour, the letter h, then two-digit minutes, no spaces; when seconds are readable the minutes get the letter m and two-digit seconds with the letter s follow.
4h26
